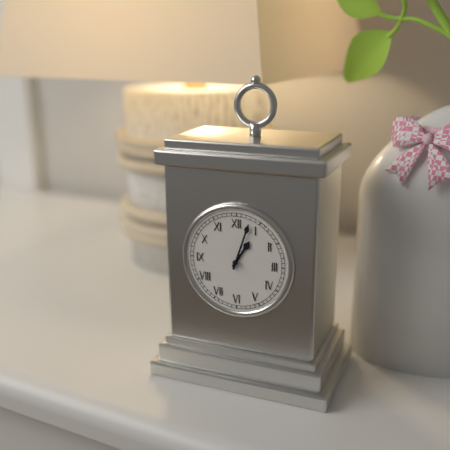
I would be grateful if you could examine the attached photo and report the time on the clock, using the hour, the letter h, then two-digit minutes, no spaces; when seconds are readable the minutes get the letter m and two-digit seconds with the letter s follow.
1h03
